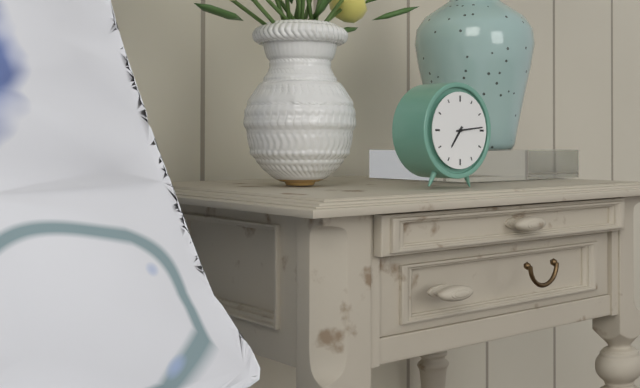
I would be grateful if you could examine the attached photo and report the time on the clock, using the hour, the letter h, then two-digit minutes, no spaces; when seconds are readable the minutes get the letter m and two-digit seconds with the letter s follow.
7h14
